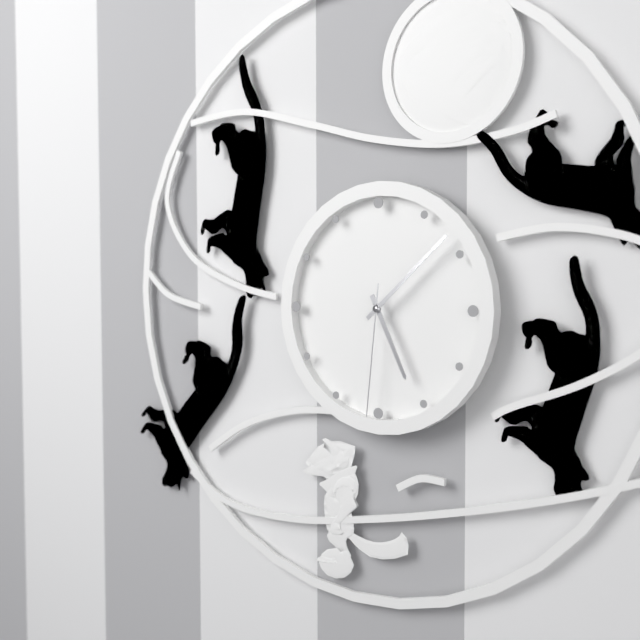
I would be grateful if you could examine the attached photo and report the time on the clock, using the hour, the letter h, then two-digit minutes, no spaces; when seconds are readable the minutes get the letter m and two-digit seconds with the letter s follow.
5h08m31s
